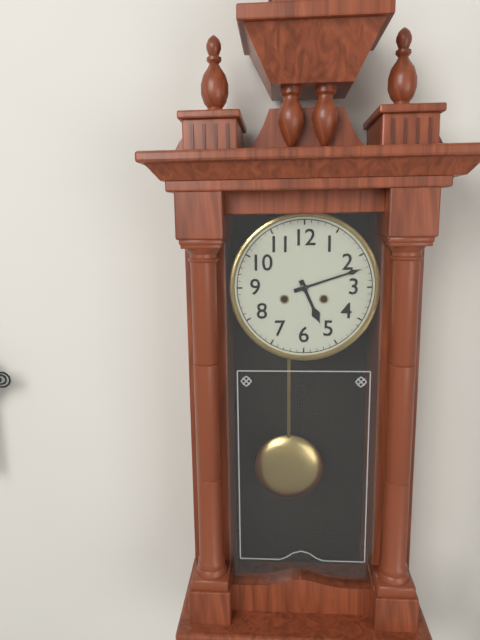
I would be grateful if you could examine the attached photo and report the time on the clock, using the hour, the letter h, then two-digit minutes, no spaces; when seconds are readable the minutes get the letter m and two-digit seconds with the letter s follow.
5h12
